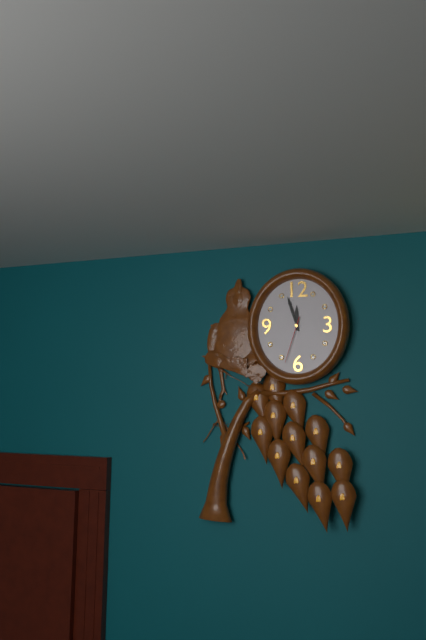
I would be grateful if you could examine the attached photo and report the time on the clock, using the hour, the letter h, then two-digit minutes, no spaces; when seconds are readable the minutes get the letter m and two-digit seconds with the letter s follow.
11h57
